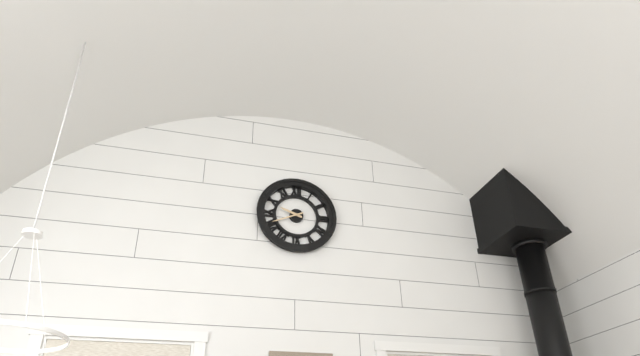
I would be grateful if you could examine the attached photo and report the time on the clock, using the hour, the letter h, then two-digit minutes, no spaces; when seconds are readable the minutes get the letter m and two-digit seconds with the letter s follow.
9h41
